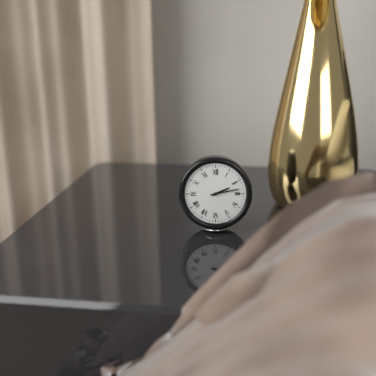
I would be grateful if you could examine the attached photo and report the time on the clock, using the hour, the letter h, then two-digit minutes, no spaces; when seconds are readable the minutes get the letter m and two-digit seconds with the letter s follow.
2h13
